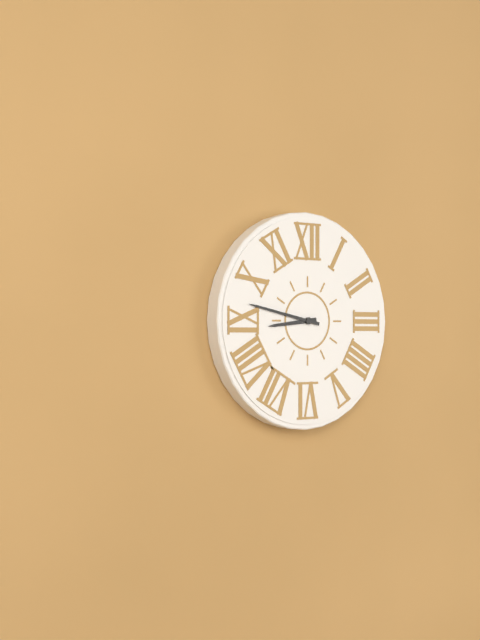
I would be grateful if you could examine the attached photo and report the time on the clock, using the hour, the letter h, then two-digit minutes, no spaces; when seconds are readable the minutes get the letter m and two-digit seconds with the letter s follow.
8h47
